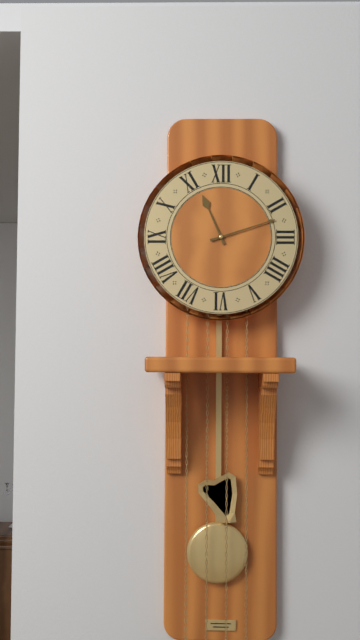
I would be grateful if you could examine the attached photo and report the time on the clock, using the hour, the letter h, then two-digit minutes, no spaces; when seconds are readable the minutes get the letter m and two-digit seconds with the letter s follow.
11h12
